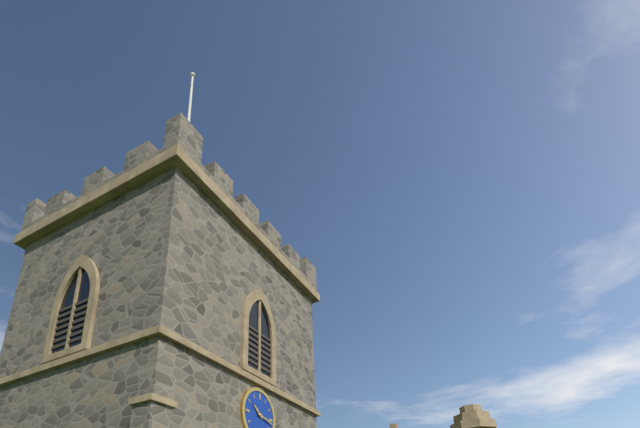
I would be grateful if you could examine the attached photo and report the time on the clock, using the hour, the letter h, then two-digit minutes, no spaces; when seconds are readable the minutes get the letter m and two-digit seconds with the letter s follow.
10h17
